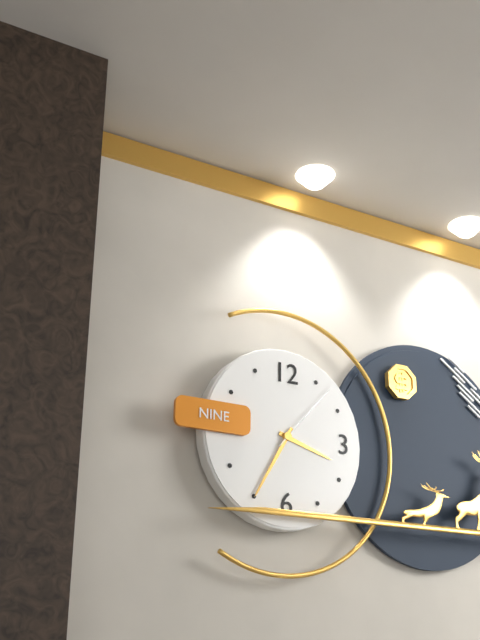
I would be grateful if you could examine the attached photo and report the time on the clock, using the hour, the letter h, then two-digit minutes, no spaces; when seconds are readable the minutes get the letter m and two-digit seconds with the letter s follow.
3h35m07s
